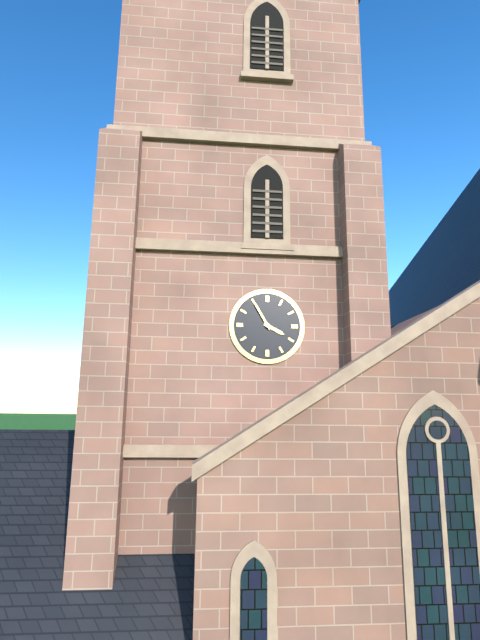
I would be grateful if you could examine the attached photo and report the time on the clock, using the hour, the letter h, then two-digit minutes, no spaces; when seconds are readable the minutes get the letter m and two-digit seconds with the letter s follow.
3h55
